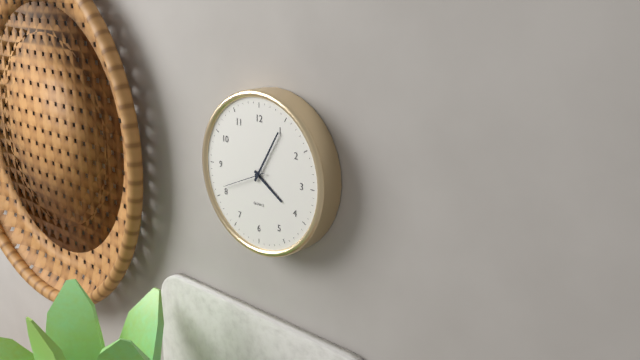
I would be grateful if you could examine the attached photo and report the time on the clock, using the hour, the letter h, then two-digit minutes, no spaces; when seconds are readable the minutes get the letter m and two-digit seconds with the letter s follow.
4h05
